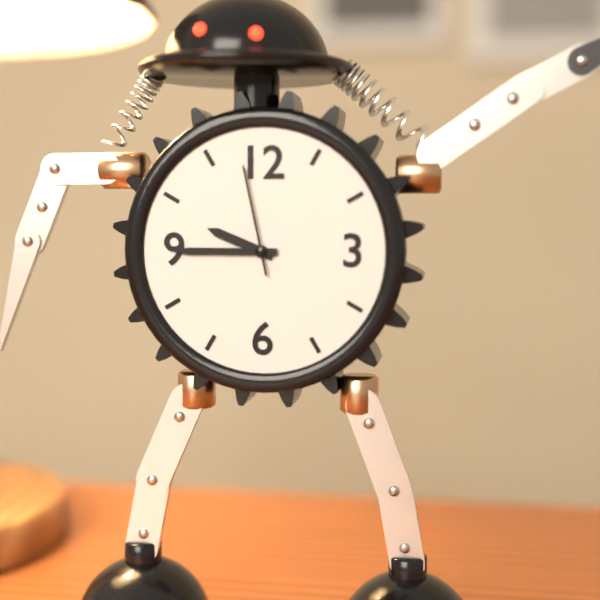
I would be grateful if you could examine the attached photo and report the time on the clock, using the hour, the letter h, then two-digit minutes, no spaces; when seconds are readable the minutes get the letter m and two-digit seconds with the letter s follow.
9h45m58s
